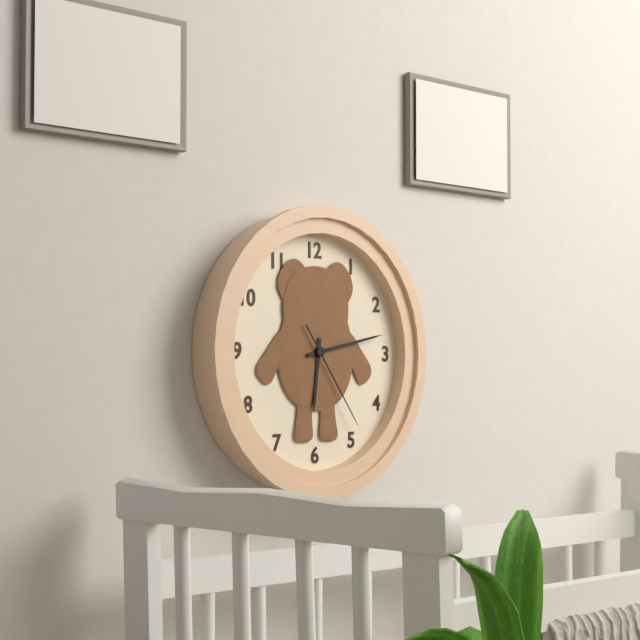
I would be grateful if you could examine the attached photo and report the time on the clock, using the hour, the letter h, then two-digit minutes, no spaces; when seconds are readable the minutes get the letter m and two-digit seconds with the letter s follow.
6h13m24s
